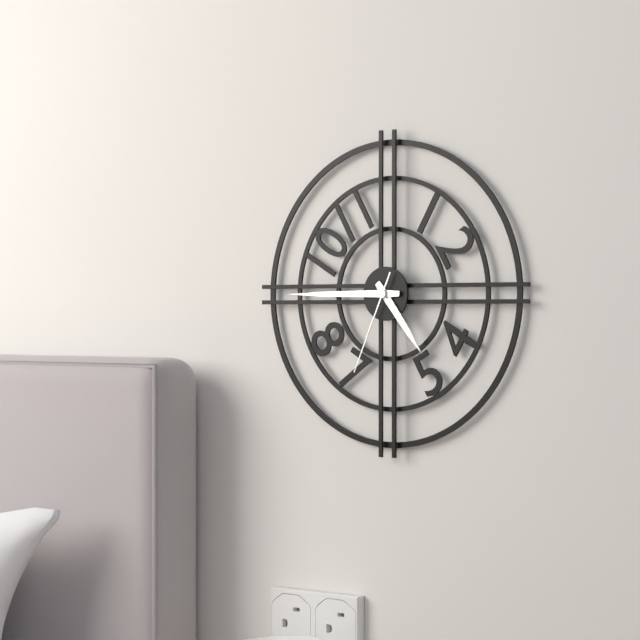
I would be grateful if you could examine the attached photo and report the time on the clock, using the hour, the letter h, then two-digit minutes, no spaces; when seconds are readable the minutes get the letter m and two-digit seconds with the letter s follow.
4h45m34s
